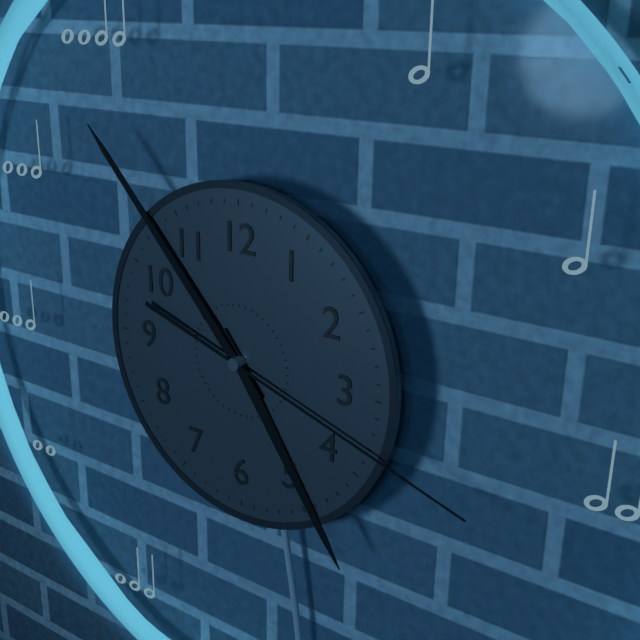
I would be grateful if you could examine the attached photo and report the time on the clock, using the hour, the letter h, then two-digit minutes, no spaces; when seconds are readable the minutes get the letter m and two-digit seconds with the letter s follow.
4h53m18s
